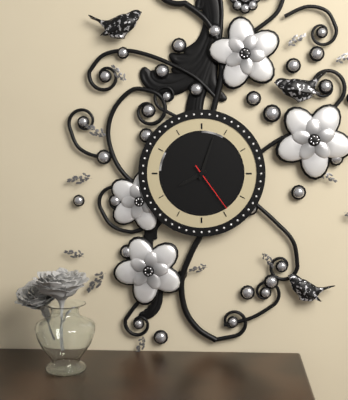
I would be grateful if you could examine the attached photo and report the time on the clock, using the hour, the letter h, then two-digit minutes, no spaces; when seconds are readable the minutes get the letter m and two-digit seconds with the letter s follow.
8h03m24s
